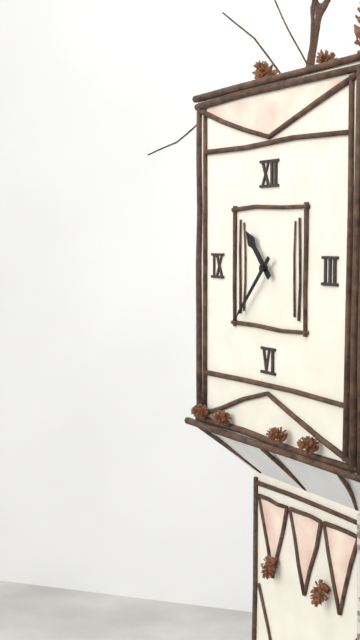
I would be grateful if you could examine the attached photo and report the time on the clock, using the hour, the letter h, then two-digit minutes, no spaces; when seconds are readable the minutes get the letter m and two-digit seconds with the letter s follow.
10h37
